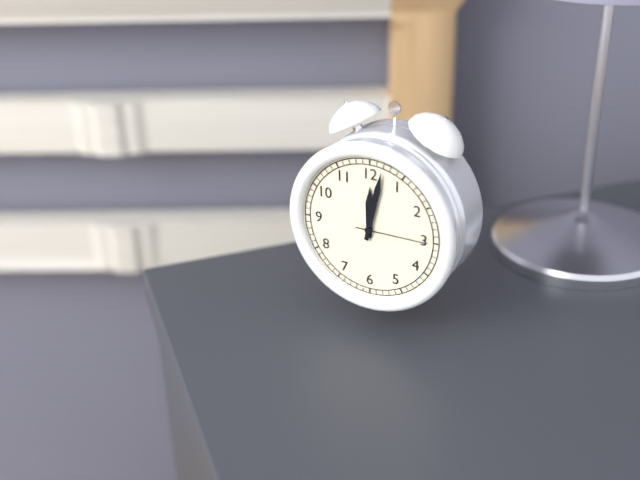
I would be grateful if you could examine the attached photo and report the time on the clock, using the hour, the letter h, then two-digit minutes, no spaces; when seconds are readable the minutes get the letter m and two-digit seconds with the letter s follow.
12h02m15s
